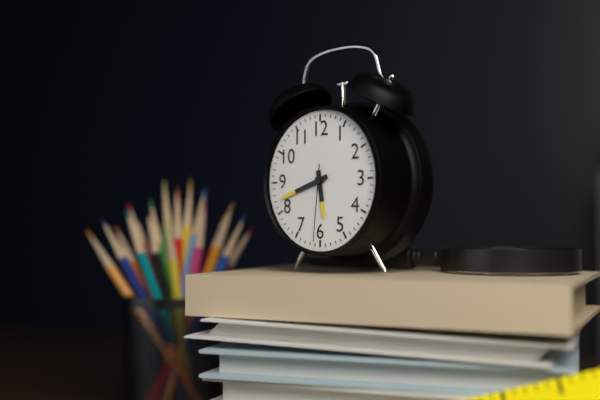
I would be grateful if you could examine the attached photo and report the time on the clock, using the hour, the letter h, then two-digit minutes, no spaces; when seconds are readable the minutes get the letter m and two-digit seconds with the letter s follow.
5h42m31s
